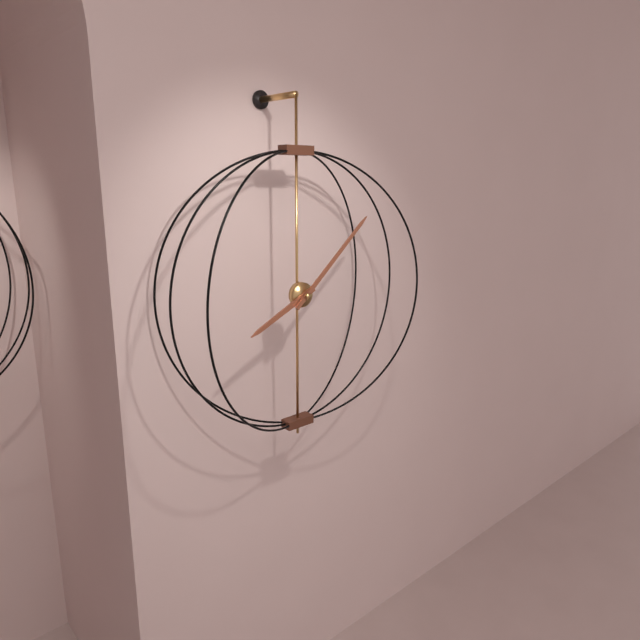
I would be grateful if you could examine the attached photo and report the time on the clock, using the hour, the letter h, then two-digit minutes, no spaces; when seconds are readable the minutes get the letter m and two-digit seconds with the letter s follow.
8h08
